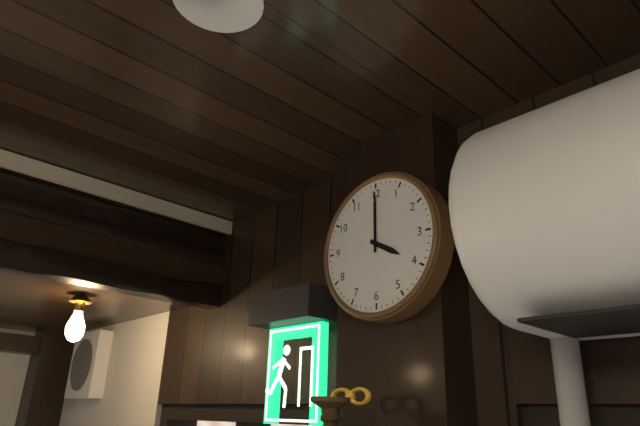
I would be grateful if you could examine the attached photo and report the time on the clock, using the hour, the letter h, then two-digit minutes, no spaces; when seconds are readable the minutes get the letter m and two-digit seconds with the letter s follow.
4h00
